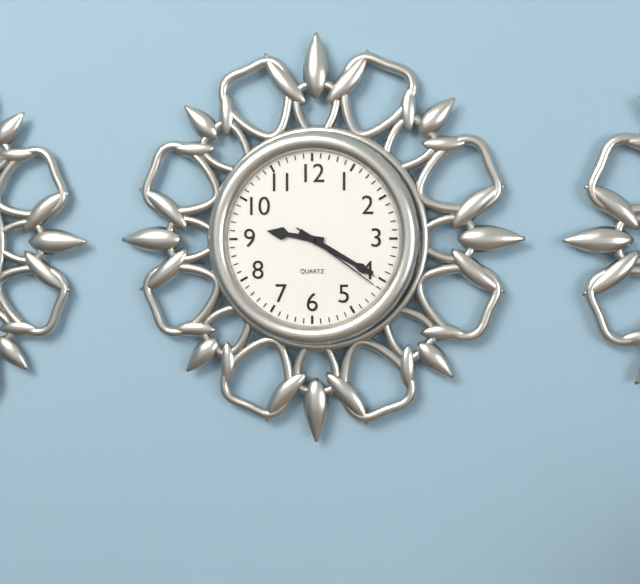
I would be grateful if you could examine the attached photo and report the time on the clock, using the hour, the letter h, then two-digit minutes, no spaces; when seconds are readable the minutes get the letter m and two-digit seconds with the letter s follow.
9h20m21s
